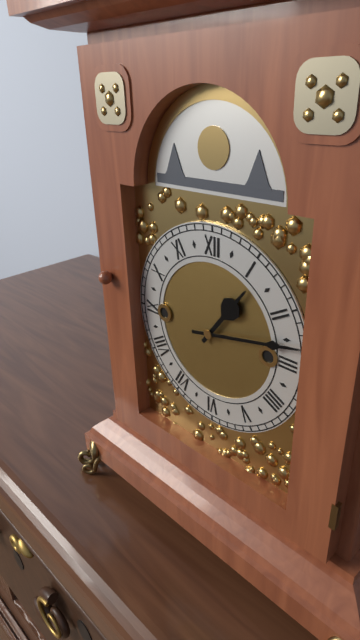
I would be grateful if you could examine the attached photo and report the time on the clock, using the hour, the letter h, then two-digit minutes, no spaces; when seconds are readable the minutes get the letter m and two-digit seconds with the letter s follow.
1h13
